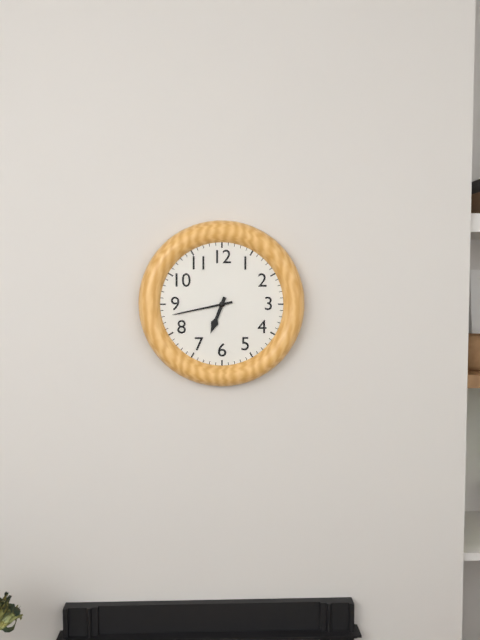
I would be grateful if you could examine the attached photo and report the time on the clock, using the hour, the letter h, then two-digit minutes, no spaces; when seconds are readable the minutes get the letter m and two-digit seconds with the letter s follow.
6h43
